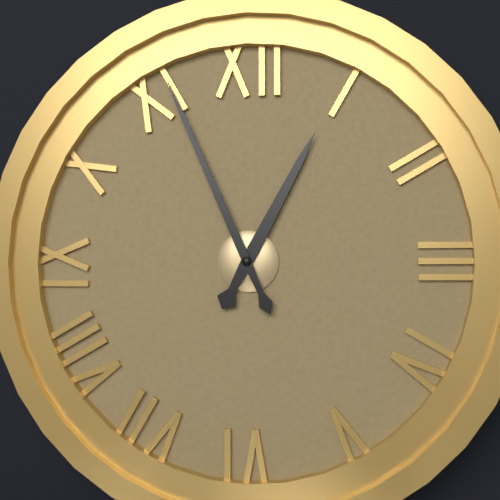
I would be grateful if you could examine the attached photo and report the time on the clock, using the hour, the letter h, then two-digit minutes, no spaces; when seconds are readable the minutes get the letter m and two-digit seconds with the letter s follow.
12h56
